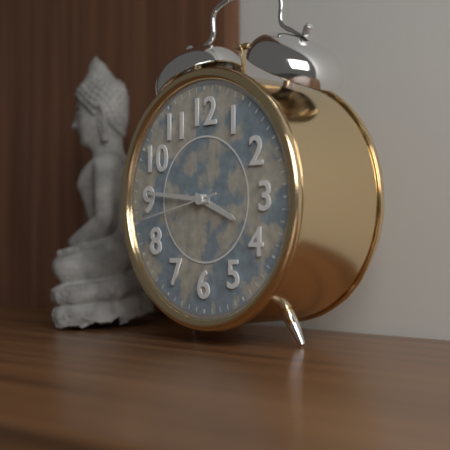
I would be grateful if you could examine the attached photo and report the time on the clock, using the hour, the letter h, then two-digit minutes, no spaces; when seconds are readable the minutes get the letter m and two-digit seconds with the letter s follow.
3h46m43s
